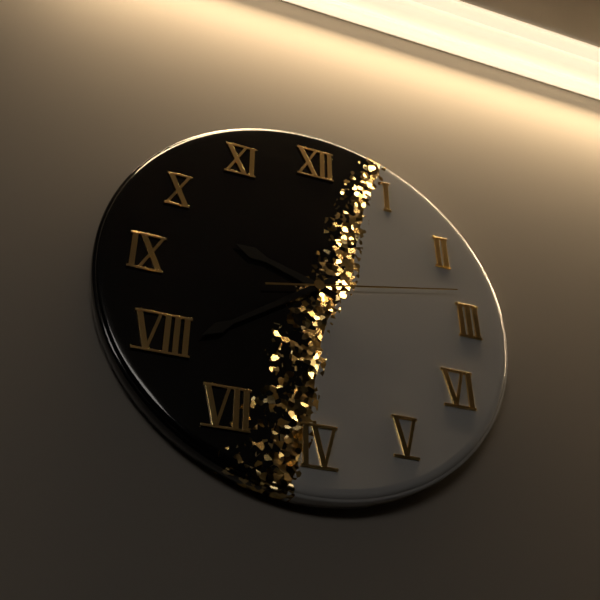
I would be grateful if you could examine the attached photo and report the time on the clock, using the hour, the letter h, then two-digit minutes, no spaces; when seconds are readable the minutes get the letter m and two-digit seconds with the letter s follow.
9h39m13s
